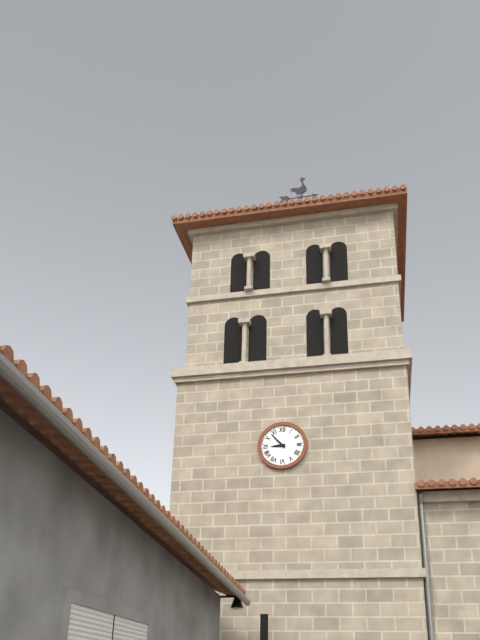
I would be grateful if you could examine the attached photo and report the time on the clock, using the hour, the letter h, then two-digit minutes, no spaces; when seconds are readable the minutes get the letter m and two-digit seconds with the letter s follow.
8h53
